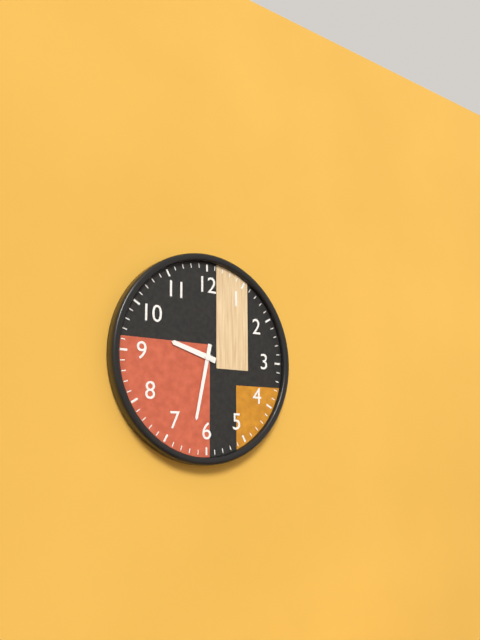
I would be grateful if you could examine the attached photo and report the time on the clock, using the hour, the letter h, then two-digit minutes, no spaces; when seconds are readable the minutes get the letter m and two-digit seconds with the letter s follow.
9h32
